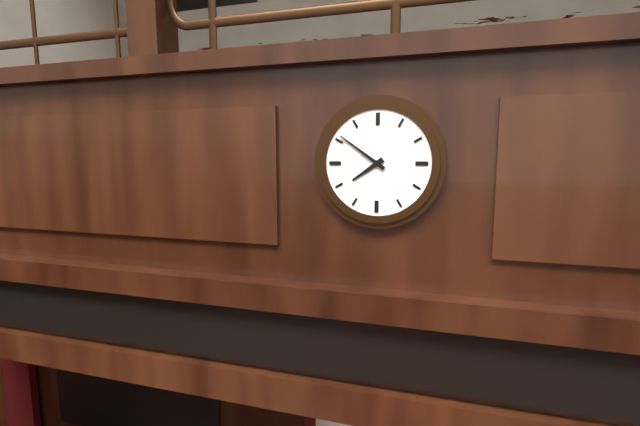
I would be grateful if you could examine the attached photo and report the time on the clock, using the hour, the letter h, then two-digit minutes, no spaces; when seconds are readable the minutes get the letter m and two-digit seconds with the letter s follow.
7h51
